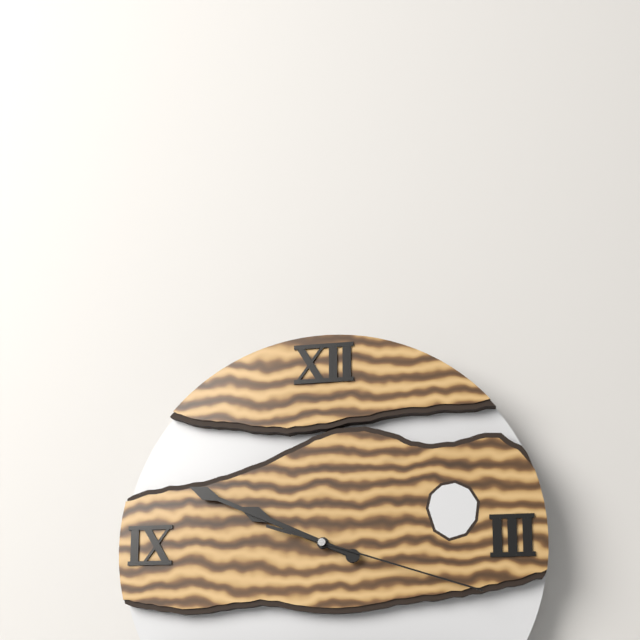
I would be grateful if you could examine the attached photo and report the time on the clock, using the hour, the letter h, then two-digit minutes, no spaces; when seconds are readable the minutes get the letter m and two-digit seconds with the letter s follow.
9h49m18s
